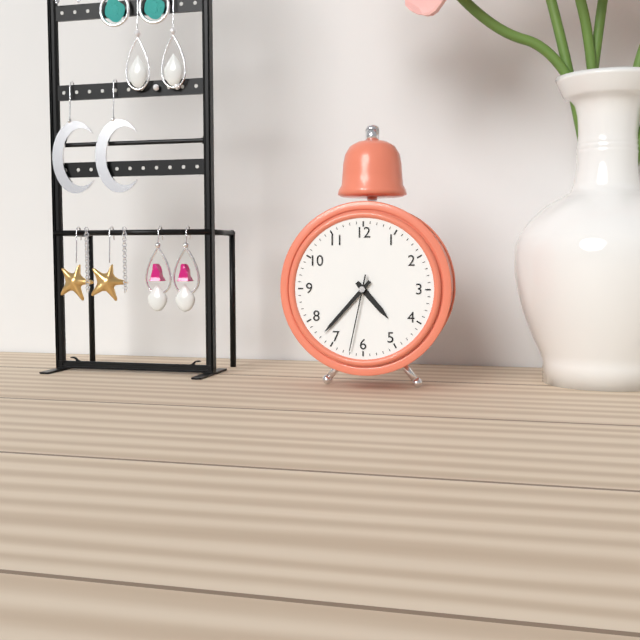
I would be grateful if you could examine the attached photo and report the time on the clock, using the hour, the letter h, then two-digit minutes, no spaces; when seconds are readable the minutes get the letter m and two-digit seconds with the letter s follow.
4h37m32s
